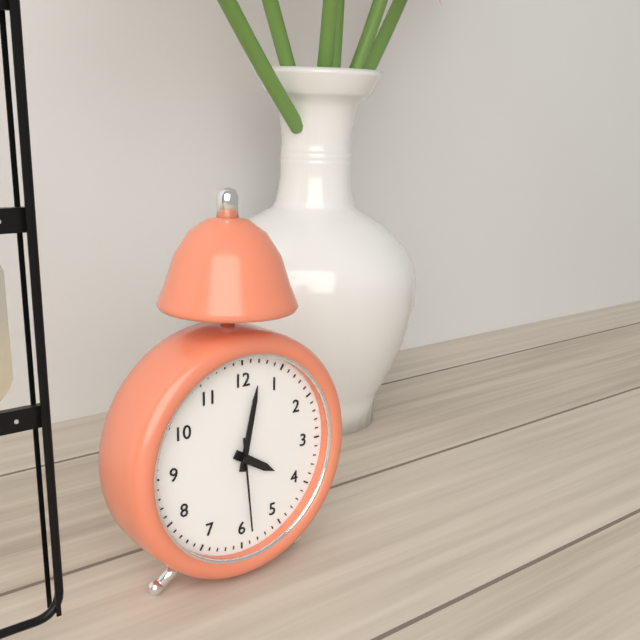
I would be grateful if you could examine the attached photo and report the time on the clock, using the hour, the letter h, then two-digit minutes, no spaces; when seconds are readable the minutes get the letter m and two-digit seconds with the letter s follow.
4h02m29s
